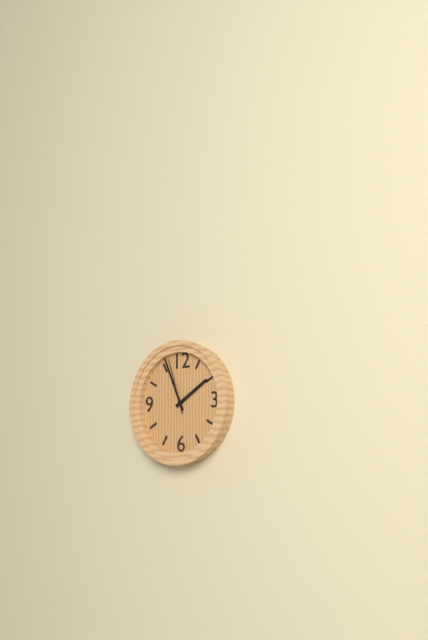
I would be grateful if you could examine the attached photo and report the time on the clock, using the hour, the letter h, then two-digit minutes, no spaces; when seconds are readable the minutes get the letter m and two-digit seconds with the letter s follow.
1h56m57s
